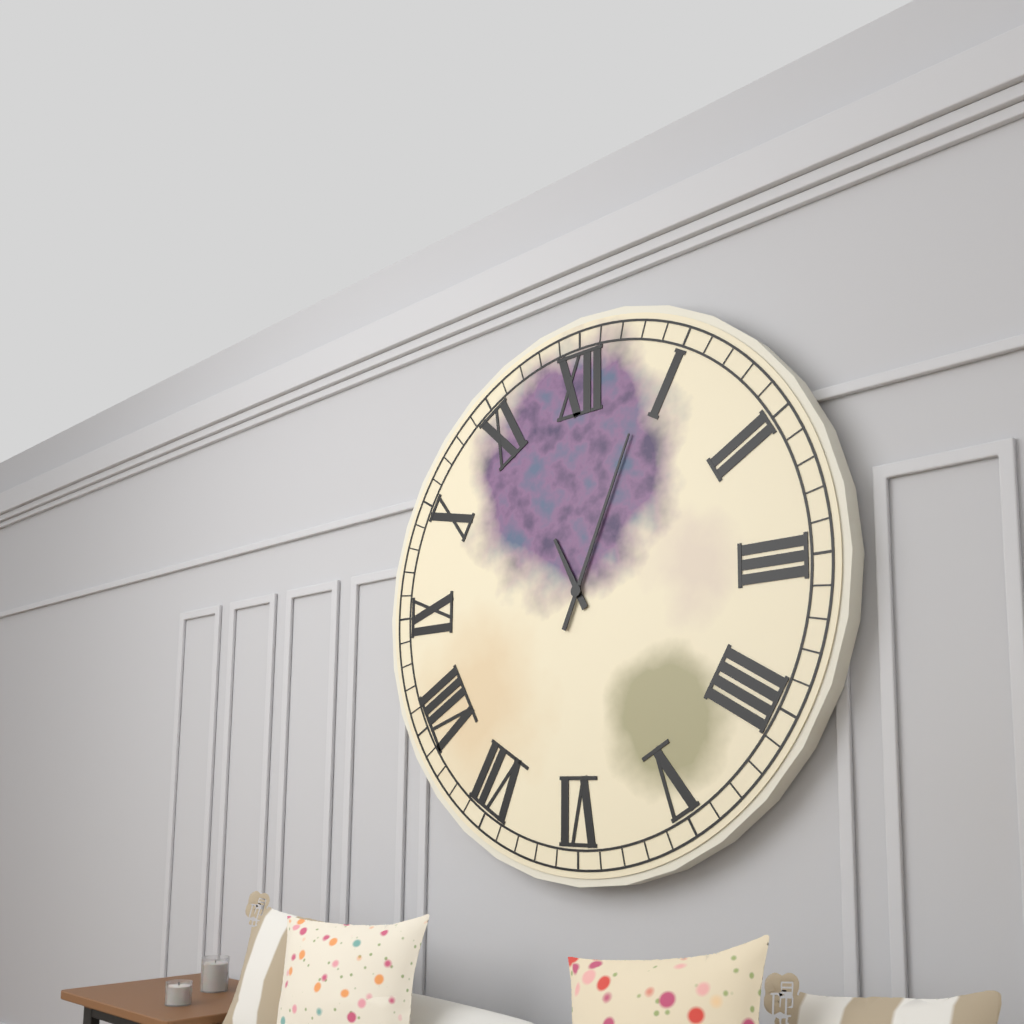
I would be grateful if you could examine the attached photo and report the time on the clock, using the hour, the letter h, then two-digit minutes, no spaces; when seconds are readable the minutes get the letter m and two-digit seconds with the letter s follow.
11h04
